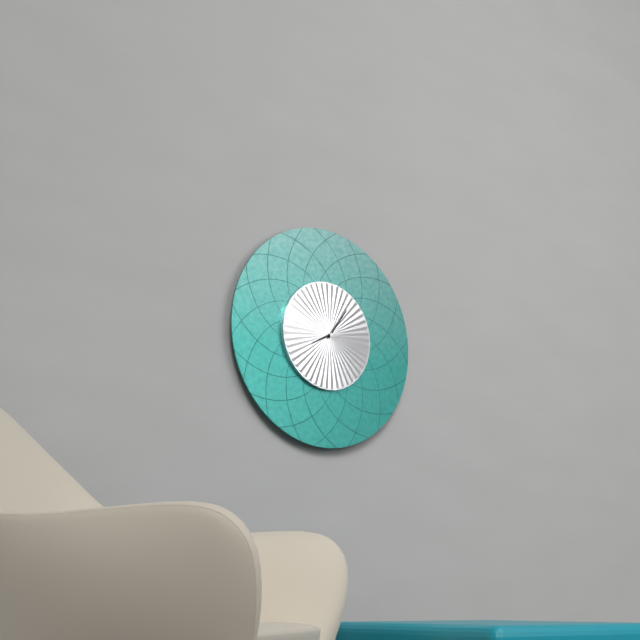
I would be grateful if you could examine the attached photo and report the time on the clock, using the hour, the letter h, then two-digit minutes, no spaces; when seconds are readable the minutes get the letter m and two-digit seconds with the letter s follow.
8h06
